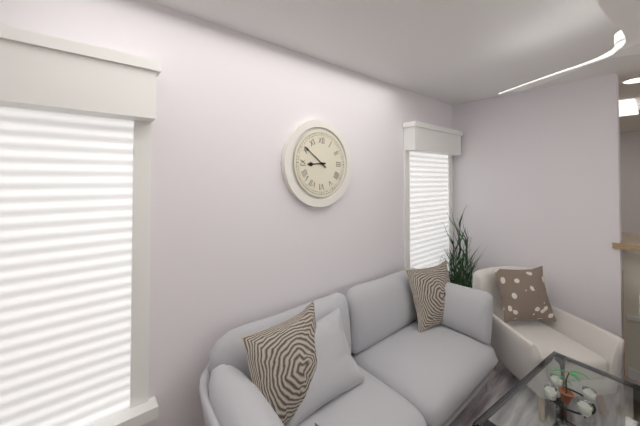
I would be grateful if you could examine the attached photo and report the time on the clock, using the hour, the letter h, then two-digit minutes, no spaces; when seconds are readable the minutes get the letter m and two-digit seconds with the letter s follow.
8h51
